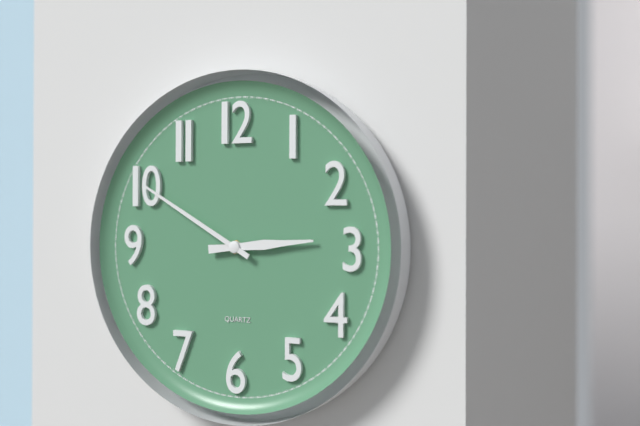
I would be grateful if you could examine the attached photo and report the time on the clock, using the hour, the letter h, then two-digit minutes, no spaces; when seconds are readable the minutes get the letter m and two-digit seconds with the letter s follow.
2h50
